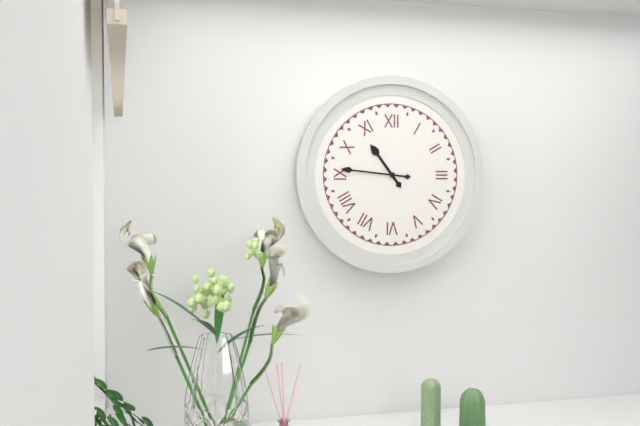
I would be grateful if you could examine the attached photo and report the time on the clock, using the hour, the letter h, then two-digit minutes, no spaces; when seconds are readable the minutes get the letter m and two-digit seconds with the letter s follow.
10h46
